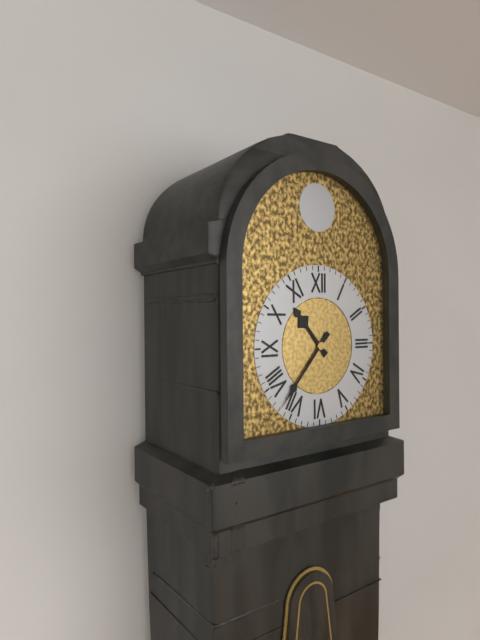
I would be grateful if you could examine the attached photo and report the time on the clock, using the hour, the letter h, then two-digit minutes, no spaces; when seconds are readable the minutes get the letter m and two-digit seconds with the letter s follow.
10h37
